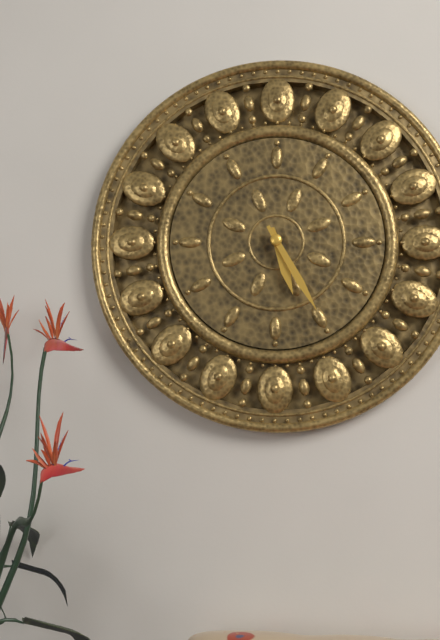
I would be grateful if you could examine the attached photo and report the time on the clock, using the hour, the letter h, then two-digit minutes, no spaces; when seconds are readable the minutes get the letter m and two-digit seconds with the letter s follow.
5h25
